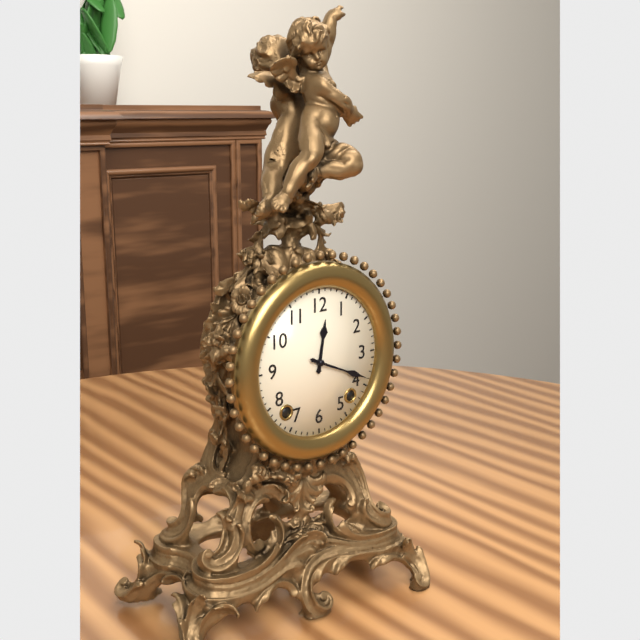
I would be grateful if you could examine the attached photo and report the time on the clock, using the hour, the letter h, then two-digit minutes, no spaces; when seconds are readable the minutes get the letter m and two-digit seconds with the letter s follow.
12h19
